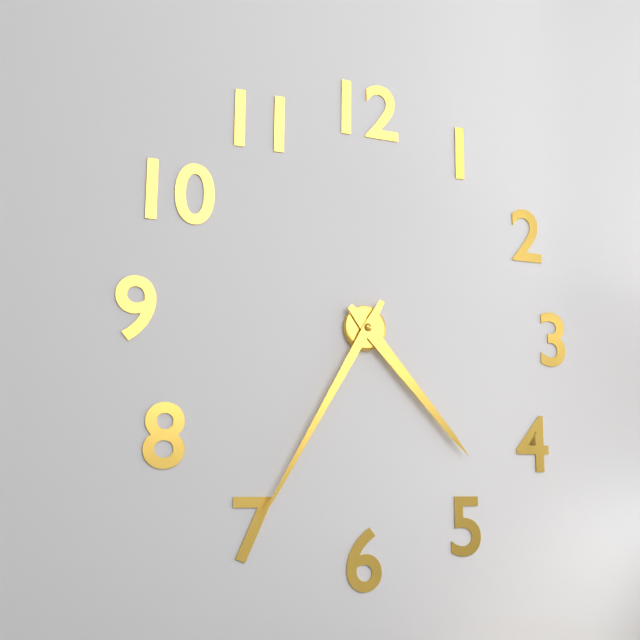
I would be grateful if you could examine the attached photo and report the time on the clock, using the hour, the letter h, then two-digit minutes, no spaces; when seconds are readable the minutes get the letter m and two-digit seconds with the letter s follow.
4h35
